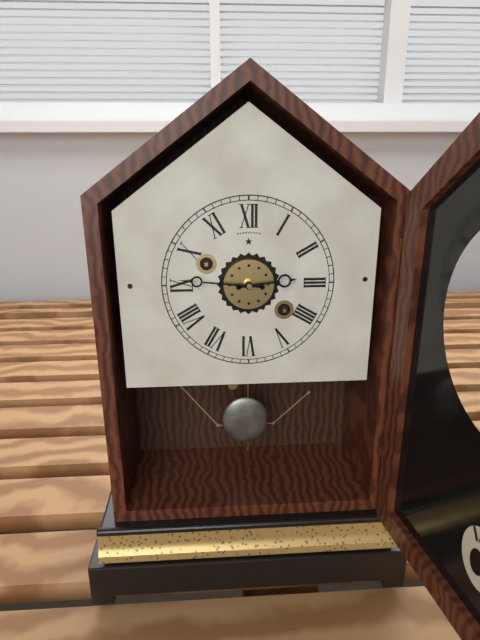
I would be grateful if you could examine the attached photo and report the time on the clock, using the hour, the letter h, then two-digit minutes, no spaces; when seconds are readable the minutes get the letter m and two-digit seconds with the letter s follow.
2h46
